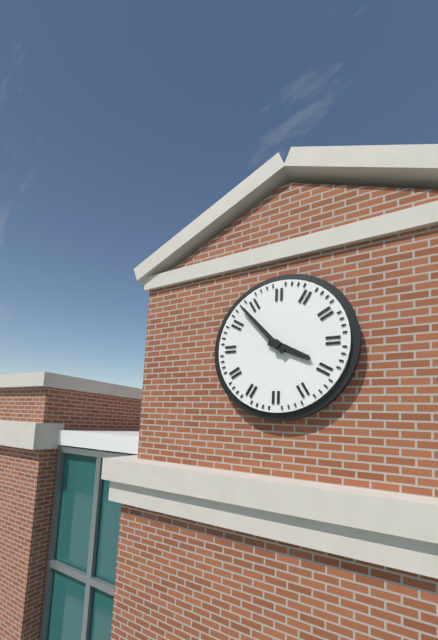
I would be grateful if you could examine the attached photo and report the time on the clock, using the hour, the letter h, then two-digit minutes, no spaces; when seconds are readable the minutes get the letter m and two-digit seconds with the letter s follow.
3h53
